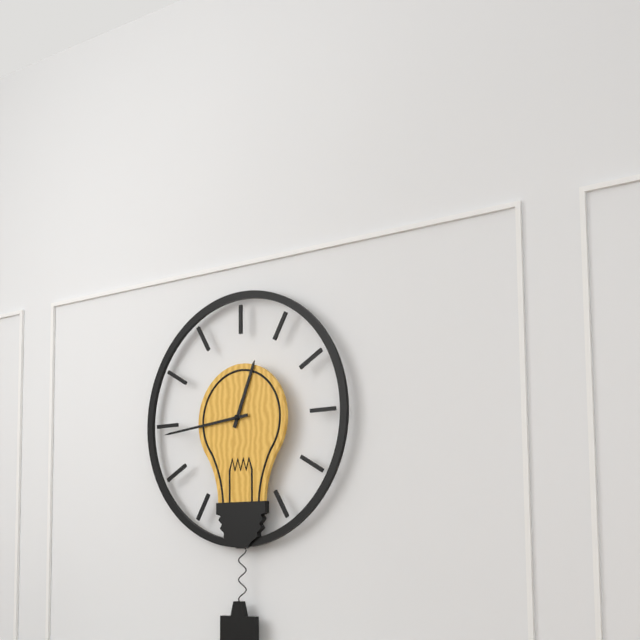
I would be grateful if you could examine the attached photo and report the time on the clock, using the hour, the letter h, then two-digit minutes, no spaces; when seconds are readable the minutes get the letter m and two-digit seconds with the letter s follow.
12h44
